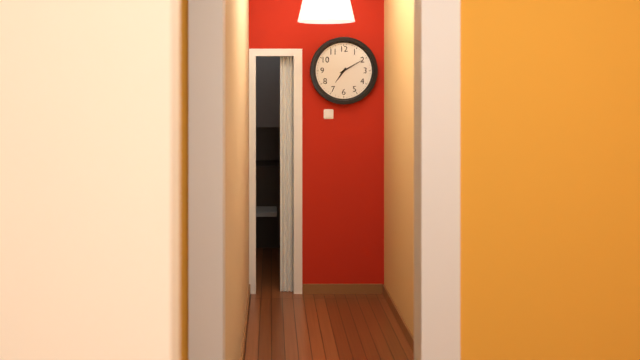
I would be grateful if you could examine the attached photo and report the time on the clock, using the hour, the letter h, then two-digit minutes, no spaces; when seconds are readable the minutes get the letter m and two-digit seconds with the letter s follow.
7h10
